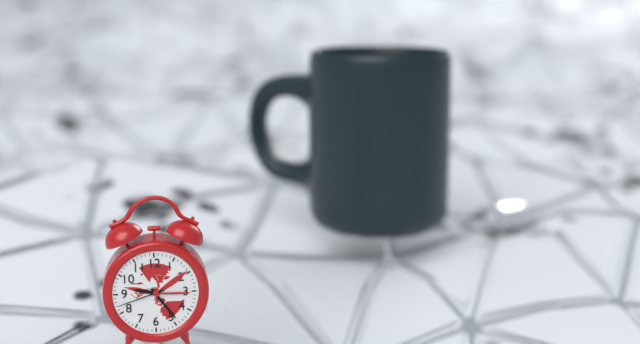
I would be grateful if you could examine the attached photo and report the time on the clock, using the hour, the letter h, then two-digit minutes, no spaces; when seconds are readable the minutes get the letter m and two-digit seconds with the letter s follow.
9h24
